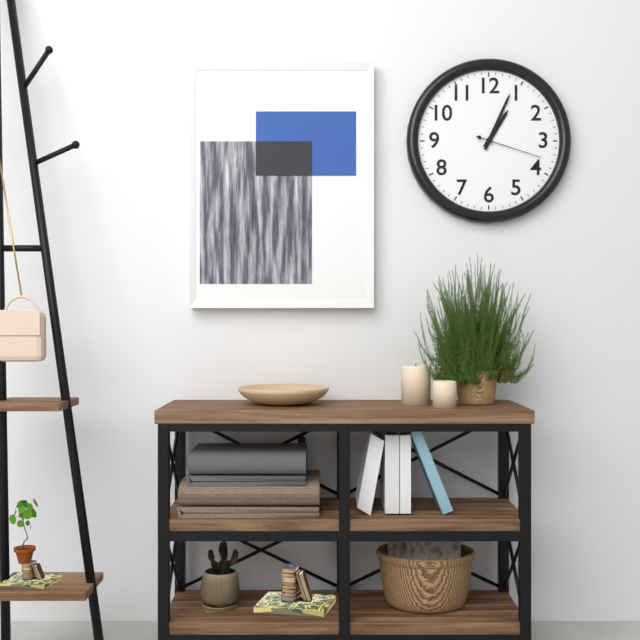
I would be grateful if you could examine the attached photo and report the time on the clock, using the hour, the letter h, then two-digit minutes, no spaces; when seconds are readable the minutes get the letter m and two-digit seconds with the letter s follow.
1h04m18s
